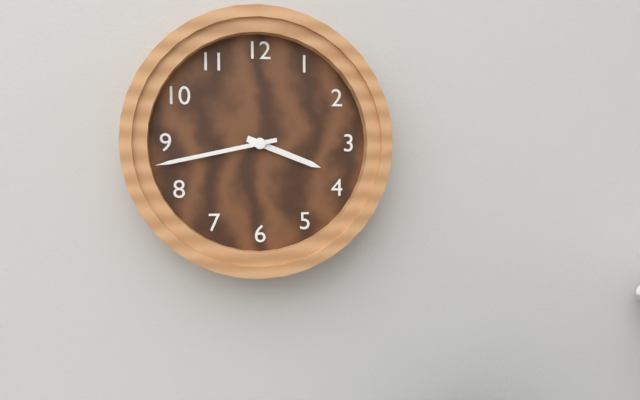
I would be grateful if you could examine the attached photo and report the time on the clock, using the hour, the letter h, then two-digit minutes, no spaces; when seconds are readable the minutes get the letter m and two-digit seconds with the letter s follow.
3h43
